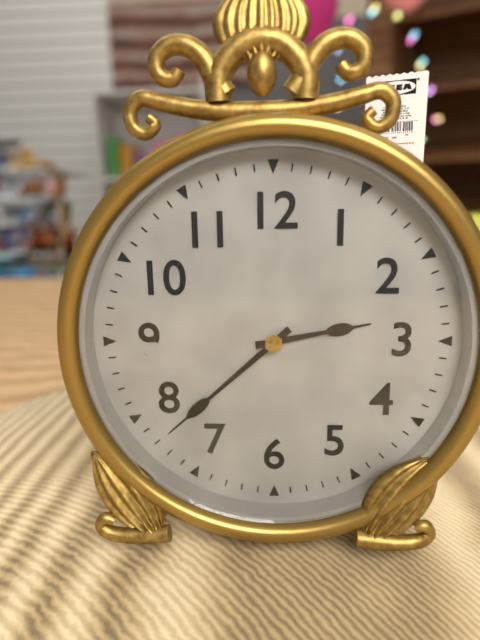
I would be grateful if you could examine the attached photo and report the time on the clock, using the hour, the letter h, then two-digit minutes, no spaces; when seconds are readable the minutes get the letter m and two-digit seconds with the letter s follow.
2h38
